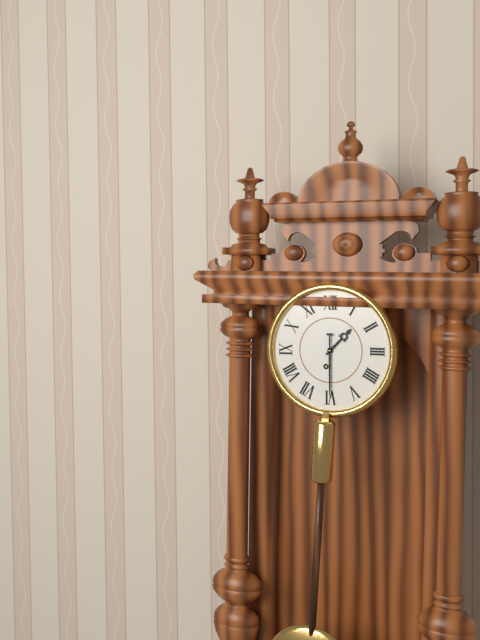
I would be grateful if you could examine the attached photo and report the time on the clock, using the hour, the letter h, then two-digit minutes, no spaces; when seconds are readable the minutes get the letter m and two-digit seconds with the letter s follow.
1h30
